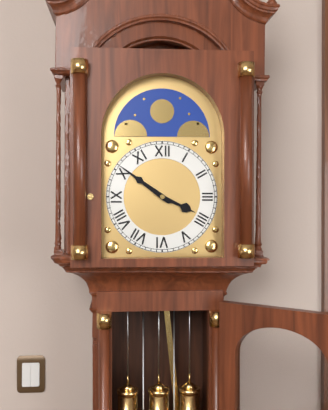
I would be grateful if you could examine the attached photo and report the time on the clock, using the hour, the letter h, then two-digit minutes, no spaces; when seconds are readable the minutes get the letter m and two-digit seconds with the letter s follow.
3h51
